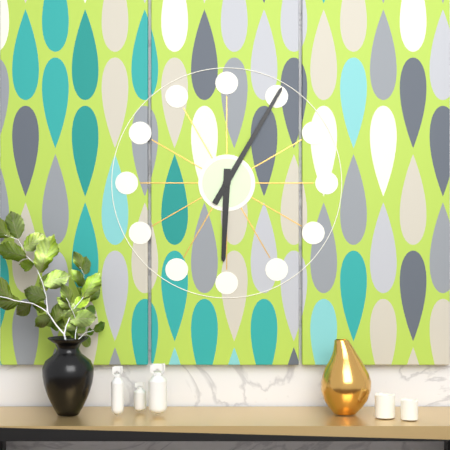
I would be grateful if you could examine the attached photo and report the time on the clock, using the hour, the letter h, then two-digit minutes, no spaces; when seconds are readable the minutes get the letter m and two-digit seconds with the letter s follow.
6h05
